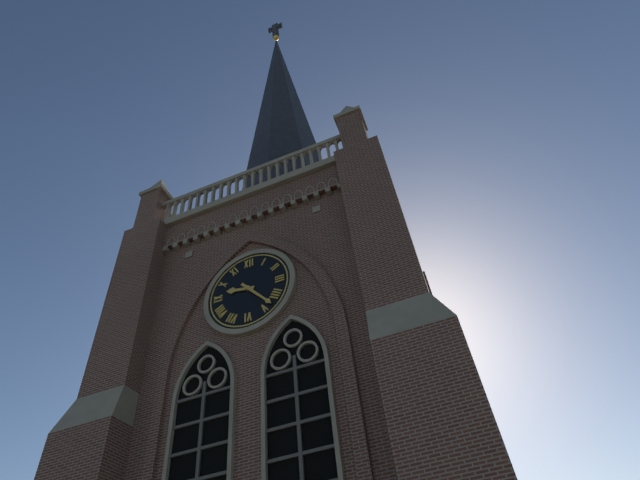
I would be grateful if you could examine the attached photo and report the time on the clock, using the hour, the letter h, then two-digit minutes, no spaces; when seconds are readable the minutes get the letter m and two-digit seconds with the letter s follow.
9h23
